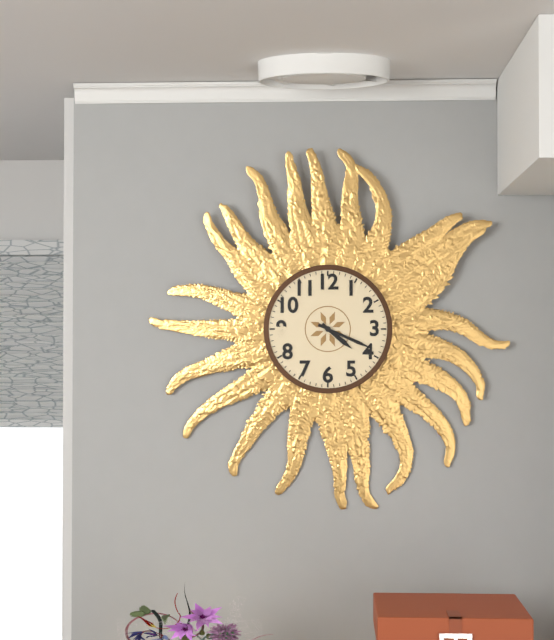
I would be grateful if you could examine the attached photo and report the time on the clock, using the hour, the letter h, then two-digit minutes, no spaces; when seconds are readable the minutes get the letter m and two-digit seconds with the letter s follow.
4h19
